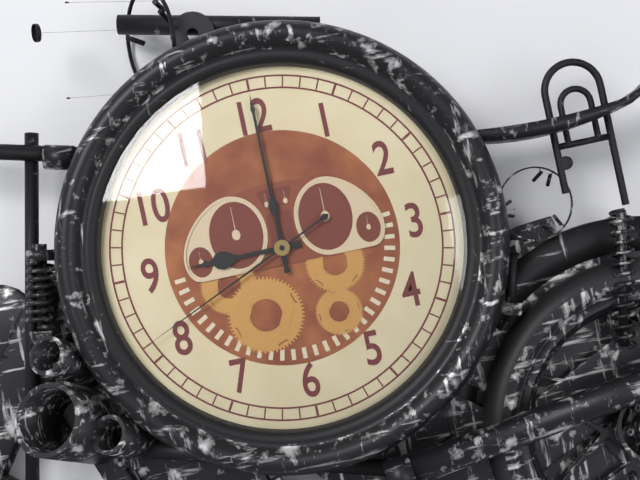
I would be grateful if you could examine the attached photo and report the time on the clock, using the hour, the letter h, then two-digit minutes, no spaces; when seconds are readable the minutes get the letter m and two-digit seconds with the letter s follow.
9h00m41s
